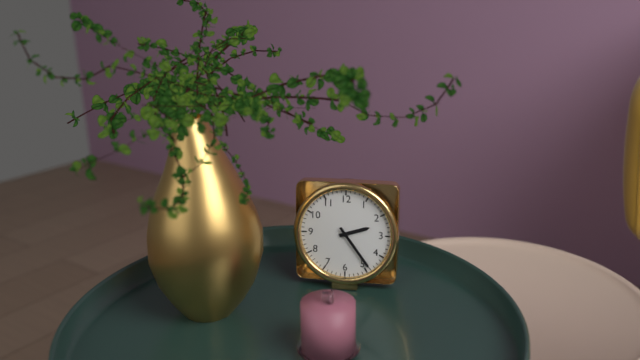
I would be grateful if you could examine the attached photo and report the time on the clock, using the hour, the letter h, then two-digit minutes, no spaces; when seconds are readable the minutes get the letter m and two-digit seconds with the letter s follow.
2h24
